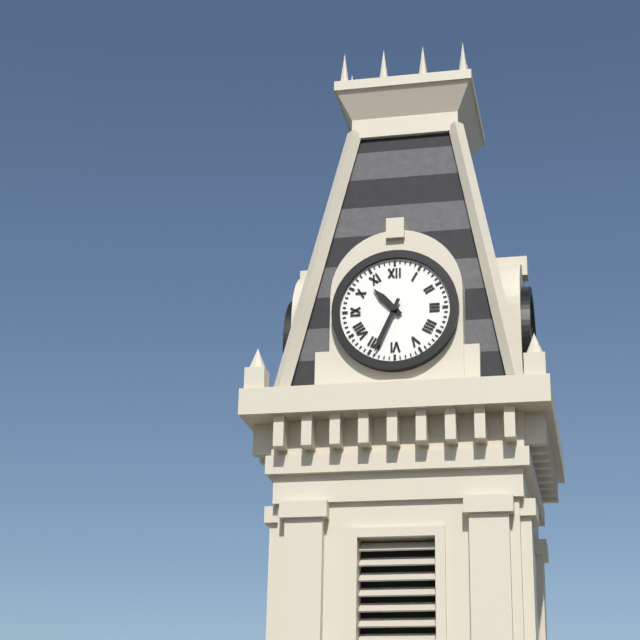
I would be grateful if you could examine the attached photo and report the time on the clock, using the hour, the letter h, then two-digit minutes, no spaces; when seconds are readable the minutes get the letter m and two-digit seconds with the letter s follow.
10h34
